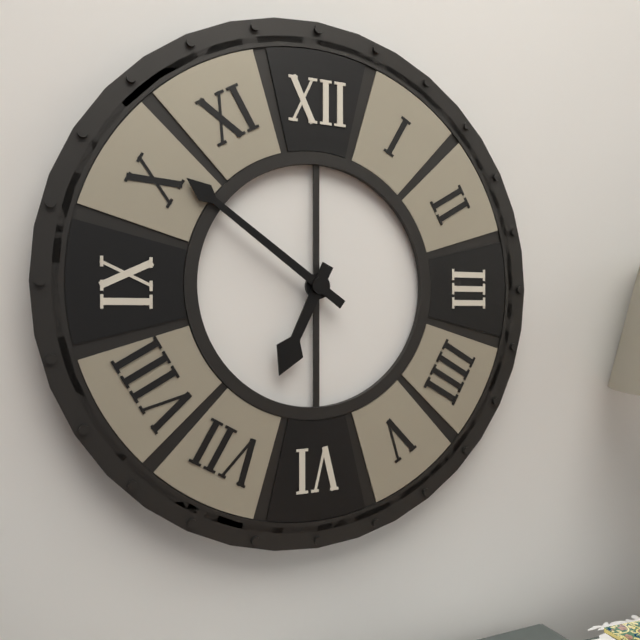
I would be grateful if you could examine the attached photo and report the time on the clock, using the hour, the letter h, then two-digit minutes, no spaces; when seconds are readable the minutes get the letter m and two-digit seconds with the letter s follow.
6h51
